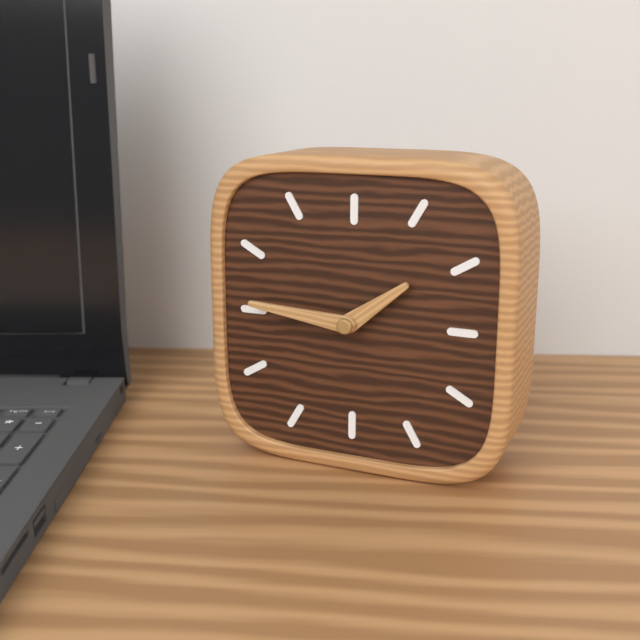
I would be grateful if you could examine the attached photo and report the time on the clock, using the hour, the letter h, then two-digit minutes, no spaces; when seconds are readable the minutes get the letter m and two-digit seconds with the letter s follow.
1h46
